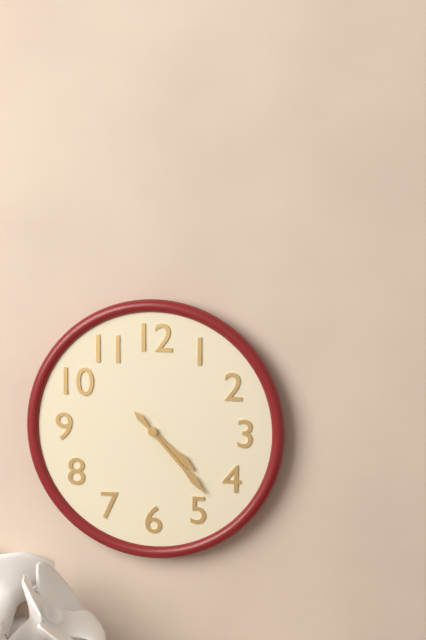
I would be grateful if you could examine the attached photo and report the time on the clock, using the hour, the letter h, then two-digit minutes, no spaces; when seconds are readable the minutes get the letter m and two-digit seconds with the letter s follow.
4h23
